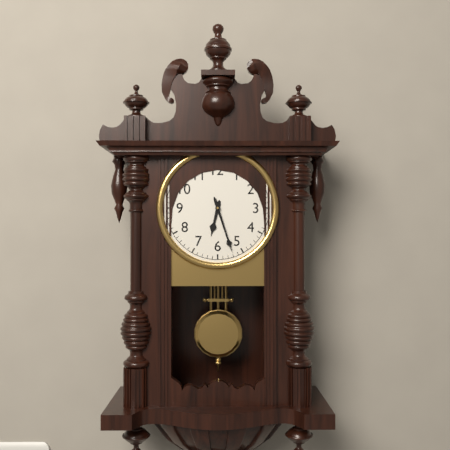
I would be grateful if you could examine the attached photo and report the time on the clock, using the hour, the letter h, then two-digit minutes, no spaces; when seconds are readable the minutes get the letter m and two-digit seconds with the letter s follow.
6h27
